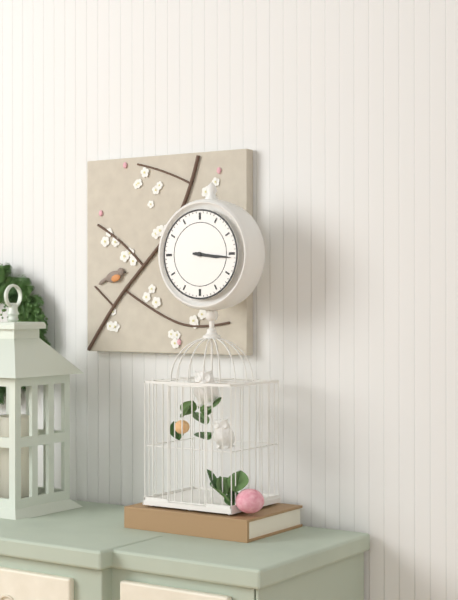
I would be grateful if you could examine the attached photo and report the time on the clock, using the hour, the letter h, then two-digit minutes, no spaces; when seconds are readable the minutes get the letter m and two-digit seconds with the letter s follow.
3h16
